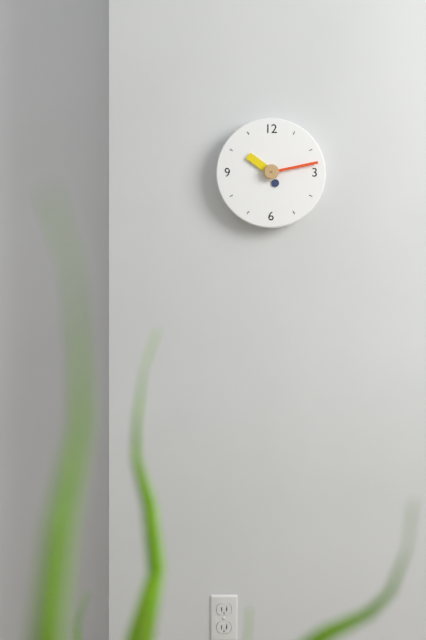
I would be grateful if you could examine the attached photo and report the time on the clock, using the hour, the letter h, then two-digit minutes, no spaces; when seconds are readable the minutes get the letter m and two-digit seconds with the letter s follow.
10h13
